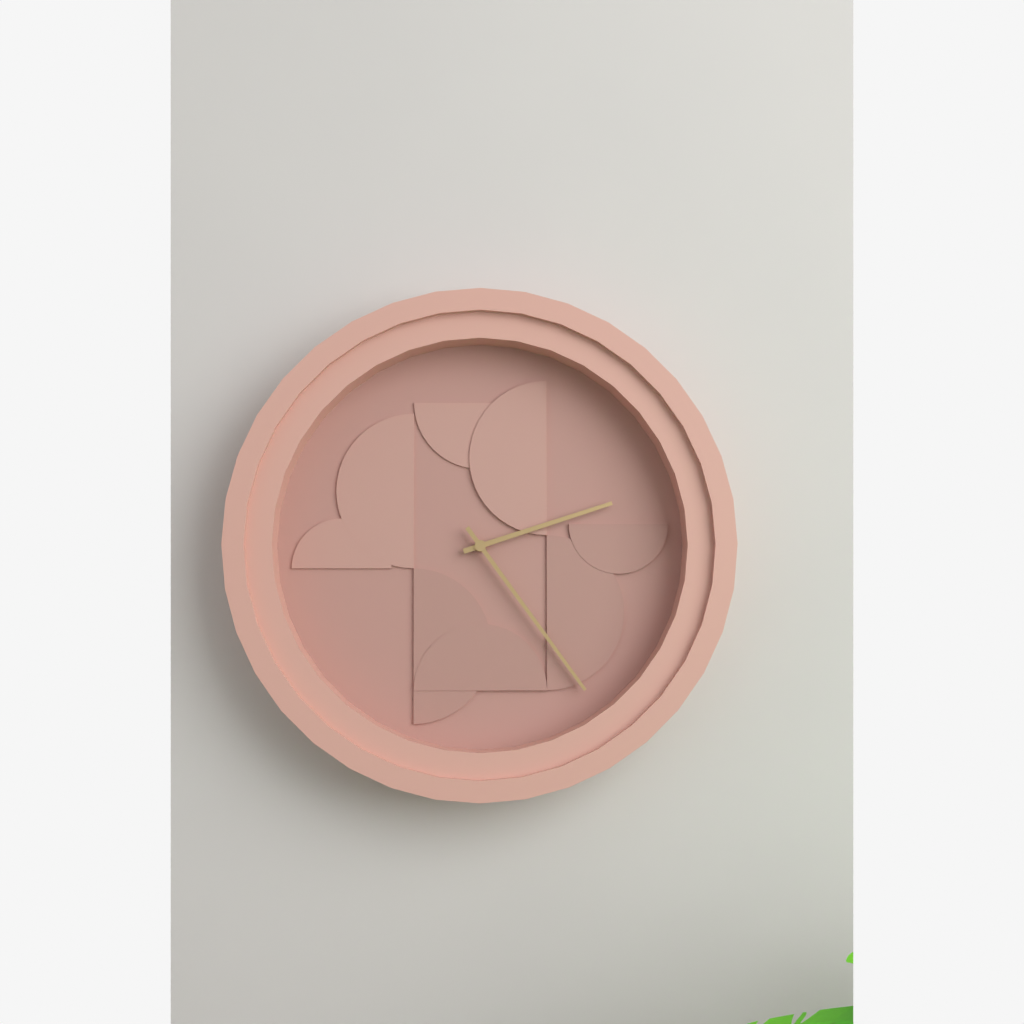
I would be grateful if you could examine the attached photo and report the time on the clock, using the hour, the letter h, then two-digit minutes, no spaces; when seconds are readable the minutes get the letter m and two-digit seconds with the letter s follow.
2h24
